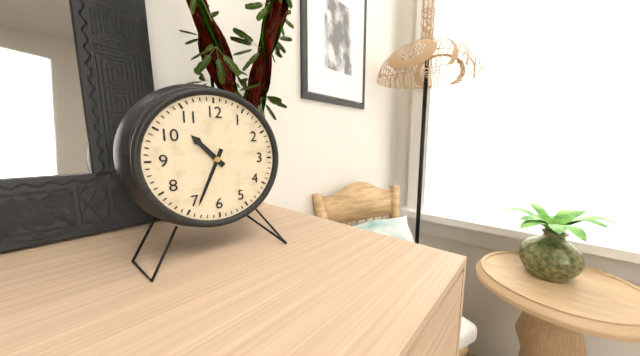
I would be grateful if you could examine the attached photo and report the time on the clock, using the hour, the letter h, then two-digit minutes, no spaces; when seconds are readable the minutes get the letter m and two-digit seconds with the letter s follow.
10h34
